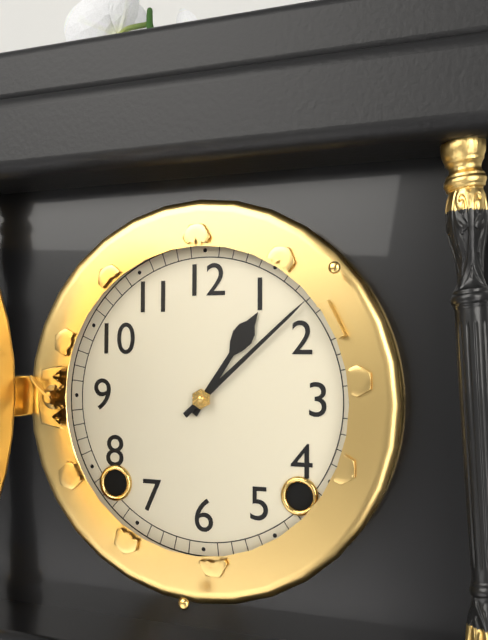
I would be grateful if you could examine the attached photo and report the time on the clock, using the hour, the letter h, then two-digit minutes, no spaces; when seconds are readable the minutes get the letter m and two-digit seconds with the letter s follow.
1h08
